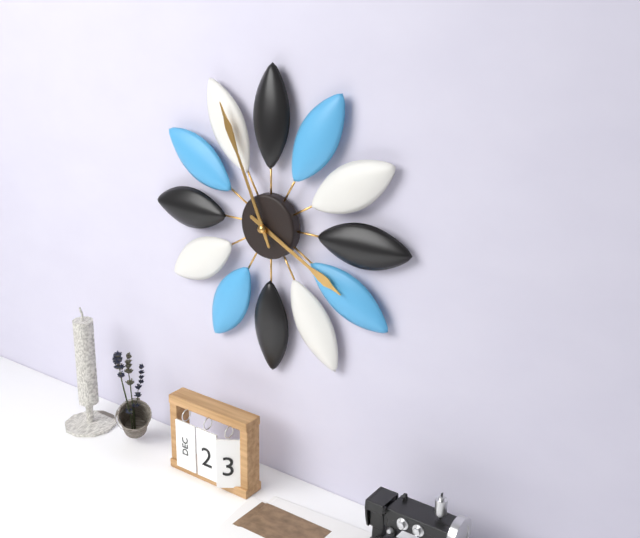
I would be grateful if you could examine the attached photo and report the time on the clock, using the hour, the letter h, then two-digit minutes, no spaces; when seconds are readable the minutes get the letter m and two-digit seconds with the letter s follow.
3h56
